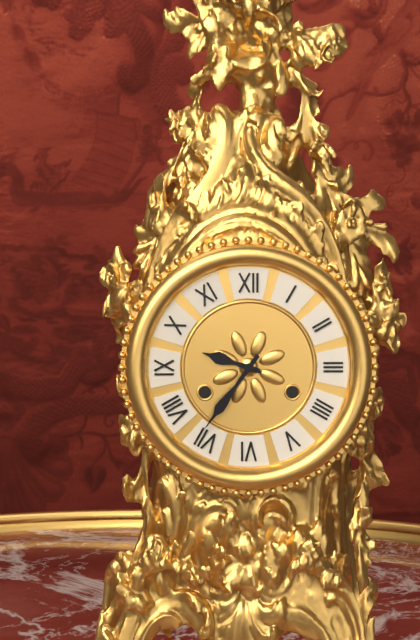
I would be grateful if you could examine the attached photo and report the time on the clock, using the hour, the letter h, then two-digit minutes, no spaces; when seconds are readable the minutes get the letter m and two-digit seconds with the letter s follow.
9h36
